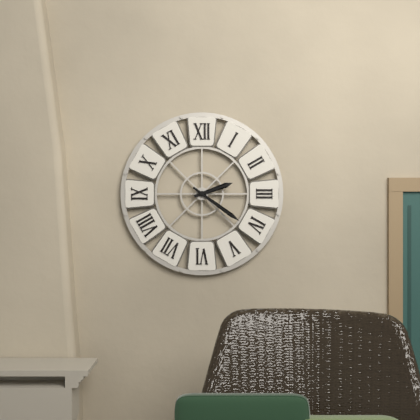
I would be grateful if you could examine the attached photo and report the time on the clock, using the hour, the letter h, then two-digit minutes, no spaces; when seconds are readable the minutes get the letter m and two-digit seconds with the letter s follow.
2h21
